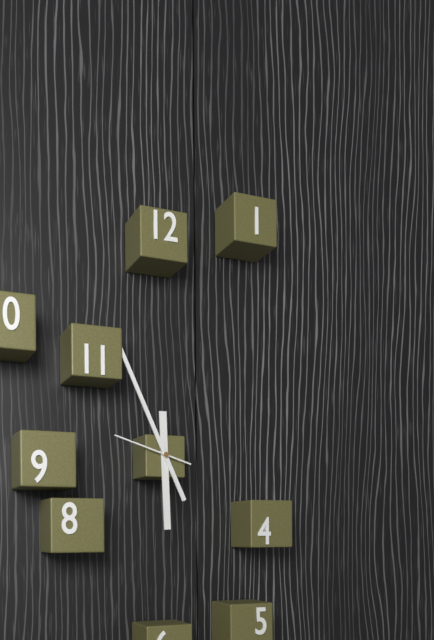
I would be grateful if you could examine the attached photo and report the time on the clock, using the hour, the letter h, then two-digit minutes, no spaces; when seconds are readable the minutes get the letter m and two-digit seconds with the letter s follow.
5h56m48s
